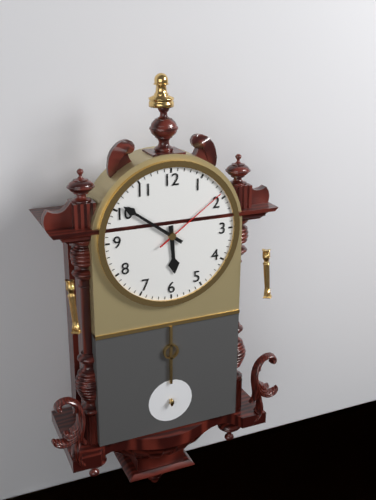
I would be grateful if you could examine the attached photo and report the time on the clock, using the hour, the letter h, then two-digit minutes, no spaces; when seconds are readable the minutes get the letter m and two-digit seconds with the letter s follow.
5h51m09s
